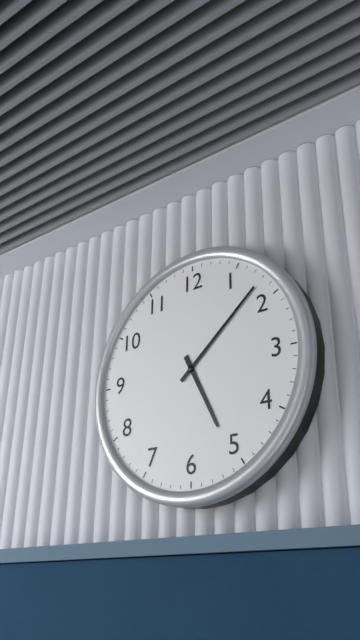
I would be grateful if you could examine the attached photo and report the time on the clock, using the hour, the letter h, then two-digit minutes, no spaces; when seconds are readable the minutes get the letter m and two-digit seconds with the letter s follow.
5h08
